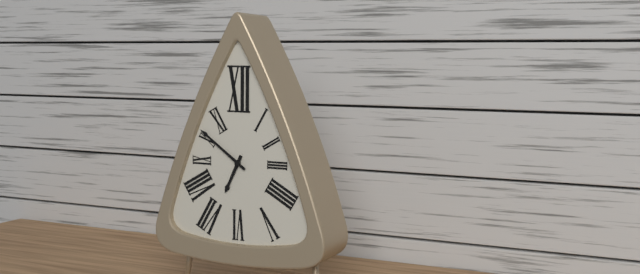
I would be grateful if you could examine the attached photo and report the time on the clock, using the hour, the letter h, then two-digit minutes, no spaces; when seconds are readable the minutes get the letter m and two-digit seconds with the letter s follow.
6h51
